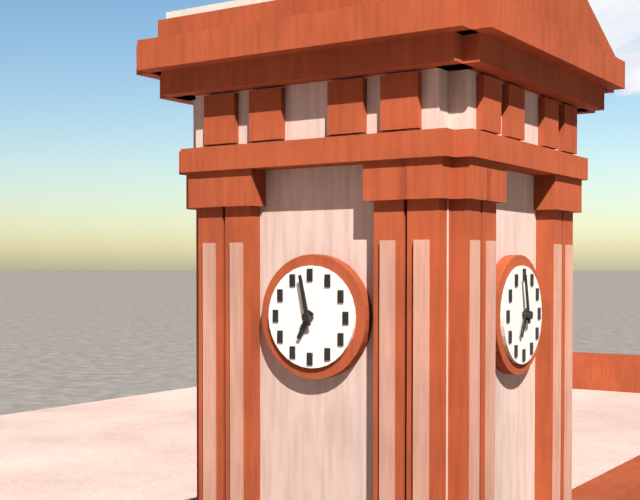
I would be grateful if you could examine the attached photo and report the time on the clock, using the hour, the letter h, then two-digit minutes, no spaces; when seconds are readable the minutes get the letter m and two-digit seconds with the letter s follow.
6h58
